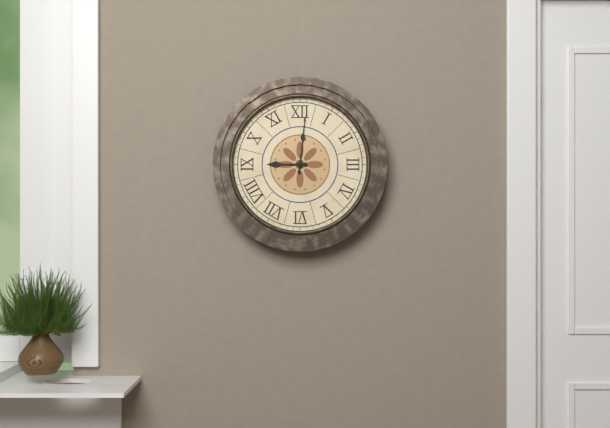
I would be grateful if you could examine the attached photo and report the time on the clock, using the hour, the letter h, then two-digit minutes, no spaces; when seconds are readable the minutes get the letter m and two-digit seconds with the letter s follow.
9h01
